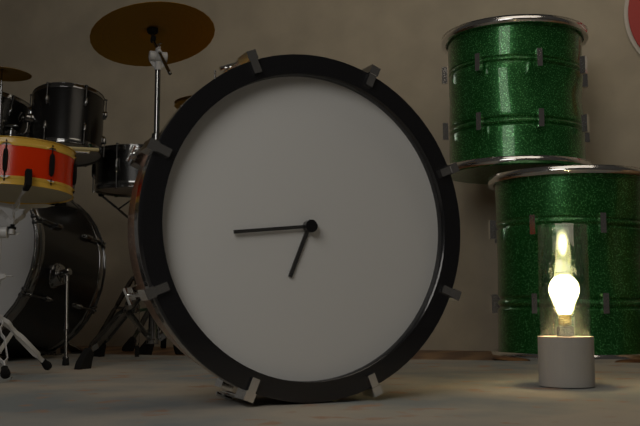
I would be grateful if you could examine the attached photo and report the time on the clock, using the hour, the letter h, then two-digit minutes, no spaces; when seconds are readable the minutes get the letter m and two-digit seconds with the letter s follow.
6h44
